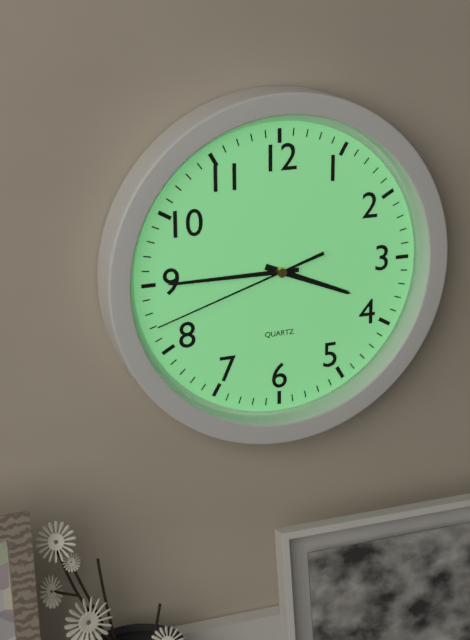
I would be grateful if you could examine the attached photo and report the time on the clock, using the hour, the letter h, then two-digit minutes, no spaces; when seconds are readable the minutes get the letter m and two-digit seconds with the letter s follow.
3h45m42s
